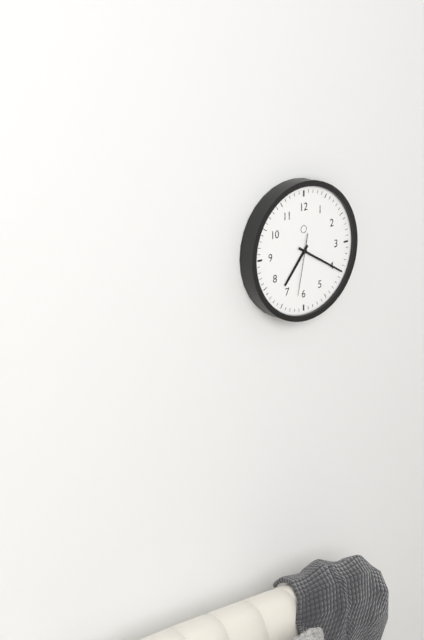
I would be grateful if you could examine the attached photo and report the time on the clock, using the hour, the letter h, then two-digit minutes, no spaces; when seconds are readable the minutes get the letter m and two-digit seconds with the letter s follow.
7h20m32s
